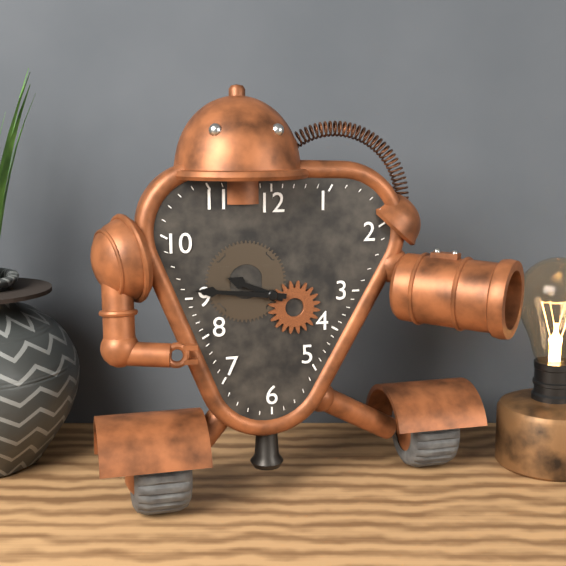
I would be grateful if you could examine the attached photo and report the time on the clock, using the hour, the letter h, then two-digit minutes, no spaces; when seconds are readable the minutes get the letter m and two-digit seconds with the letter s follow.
9h46
